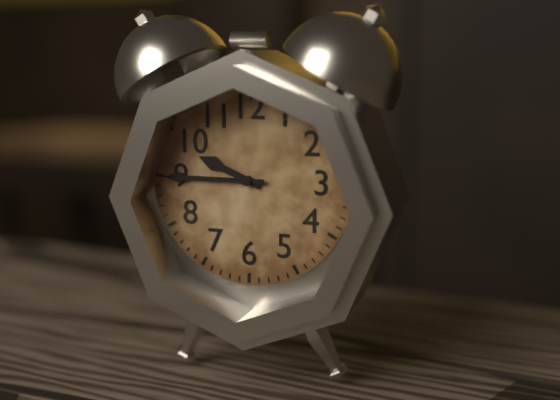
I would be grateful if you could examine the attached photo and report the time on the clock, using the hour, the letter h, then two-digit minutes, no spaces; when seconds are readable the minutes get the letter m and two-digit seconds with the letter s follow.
9h45
